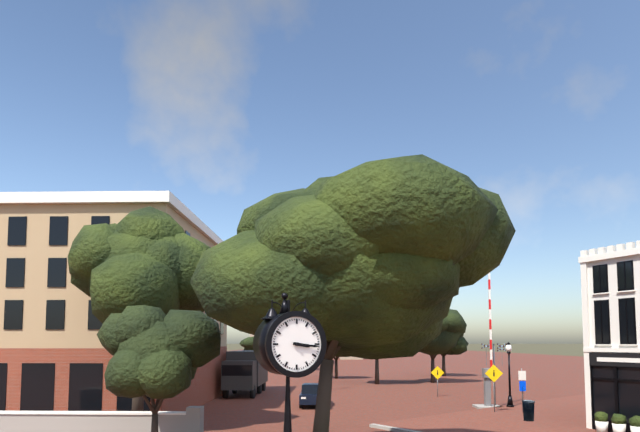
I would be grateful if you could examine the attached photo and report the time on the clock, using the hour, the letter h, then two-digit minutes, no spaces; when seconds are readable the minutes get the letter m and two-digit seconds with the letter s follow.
3h16
